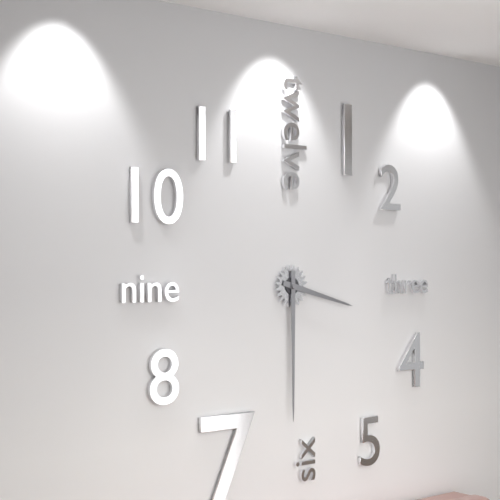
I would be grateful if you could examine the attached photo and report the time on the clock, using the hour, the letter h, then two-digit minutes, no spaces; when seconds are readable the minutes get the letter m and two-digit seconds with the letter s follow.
3h30
